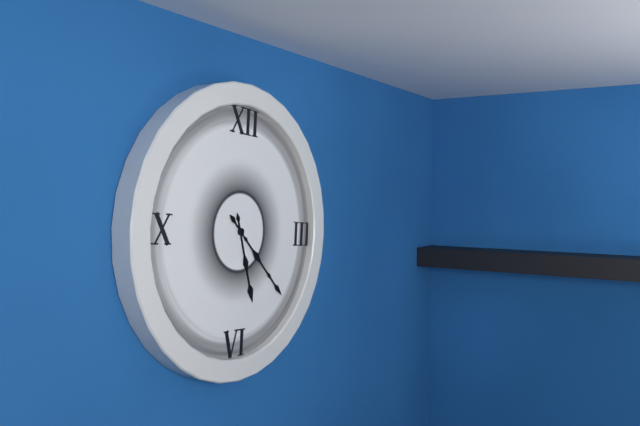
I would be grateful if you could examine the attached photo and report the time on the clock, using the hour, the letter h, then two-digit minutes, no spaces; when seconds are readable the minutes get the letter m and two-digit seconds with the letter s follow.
5h22
